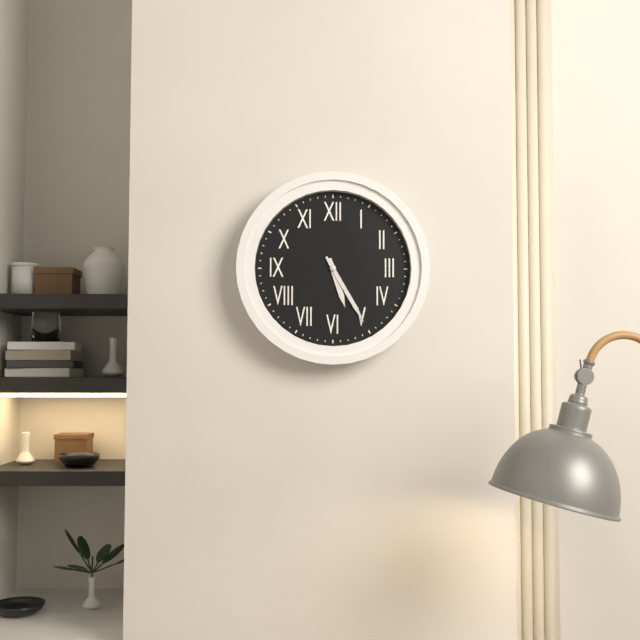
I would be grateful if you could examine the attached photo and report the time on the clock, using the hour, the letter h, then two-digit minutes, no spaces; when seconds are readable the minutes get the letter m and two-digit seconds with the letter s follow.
5h25
